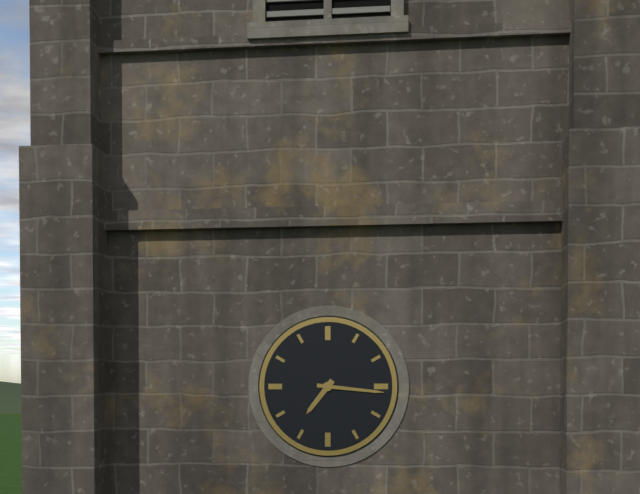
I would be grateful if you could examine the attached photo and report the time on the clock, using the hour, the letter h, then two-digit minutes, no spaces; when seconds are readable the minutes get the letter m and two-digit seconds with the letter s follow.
7h16
